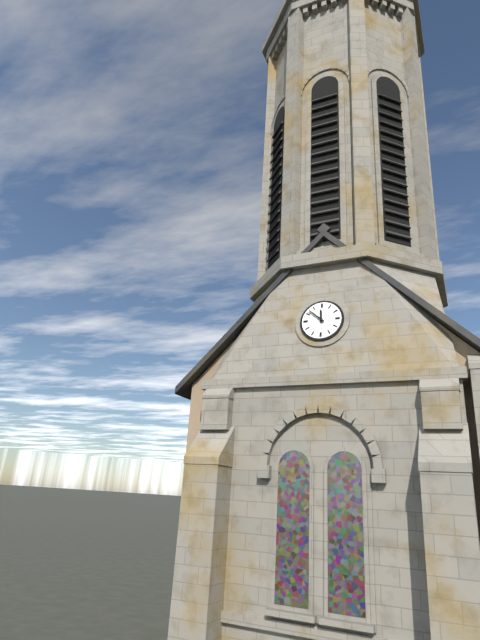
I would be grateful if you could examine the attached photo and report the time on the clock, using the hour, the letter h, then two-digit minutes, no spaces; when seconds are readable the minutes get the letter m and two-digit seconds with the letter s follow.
11h52
